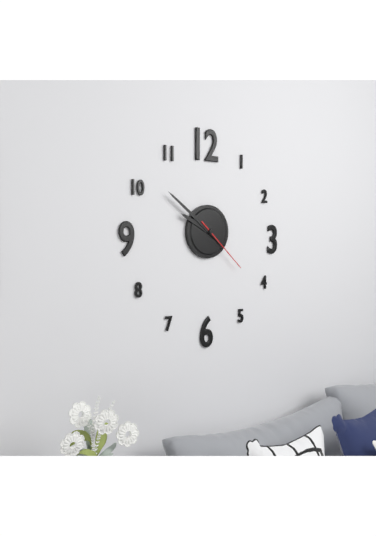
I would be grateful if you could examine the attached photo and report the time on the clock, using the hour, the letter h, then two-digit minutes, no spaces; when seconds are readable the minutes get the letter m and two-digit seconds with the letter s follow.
9h51m22s
